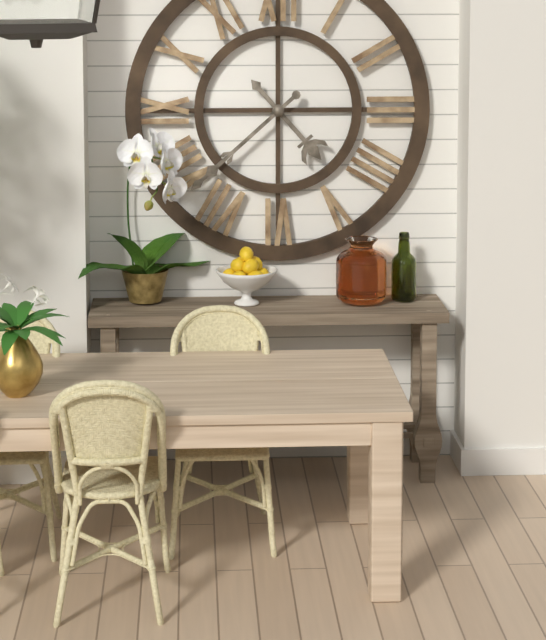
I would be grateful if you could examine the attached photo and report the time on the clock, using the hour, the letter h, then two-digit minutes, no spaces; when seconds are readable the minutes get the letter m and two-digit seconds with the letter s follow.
4h38
